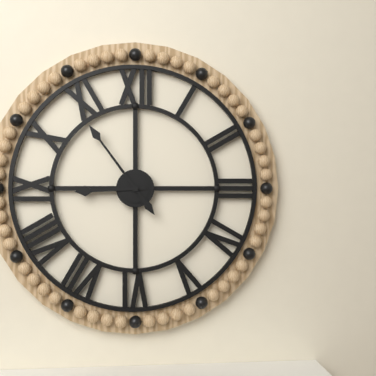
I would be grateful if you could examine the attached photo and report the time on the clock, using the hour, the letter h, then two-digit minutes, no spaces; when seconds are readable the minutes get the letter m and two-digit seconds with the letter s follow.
8h54
